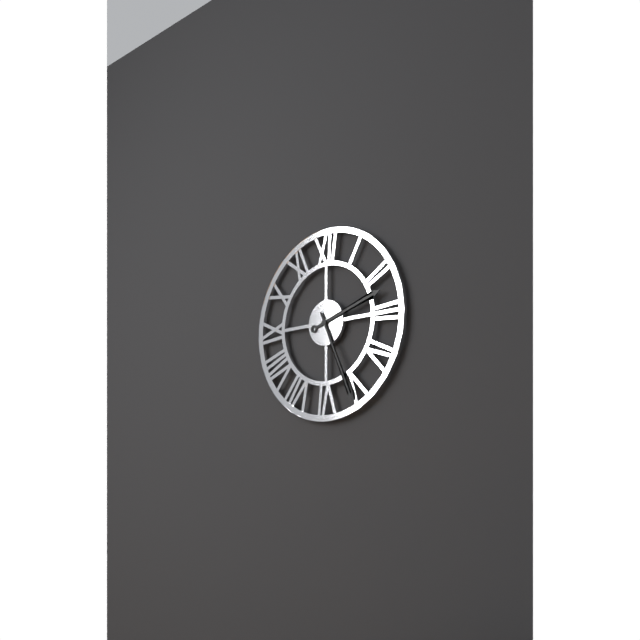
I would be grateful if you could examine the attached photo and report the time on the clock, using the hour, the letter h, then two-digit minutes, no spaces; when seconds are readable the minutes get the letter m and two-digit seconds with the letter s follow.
2h26
